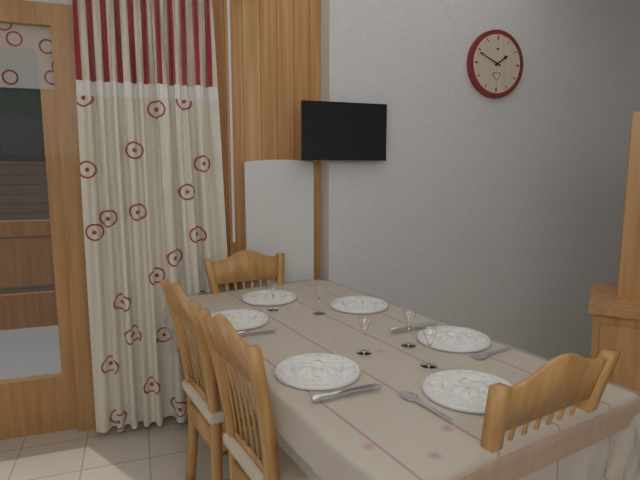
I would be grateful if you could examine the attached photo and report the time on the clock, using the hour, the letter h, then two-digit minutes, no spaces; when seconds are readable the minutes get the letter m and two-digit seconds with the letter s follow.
1h49
